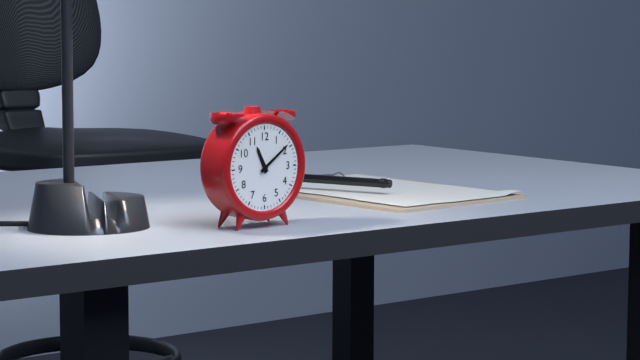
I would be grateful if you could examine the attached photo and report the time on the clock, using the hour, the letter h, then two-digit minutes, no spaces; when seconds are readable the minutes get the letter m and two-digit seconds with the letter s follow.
11h09
